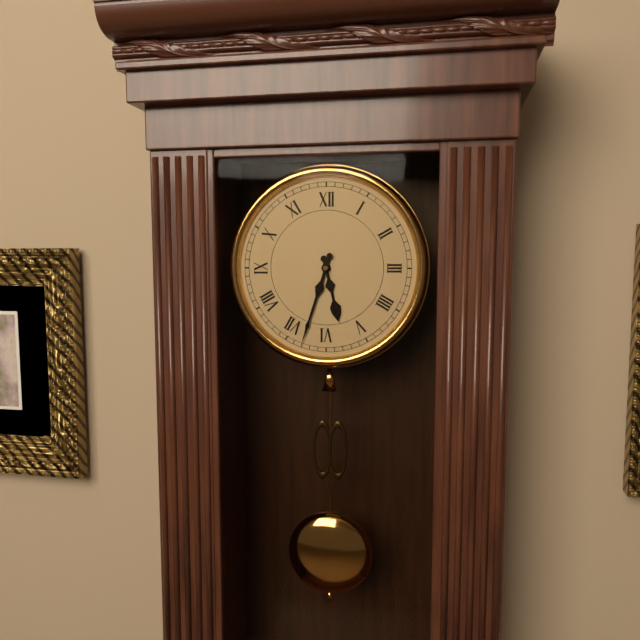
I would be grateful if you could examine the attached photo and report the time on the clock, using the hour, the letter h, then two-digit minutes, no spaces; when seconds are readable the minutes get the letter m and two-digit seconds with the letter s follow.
5h33
